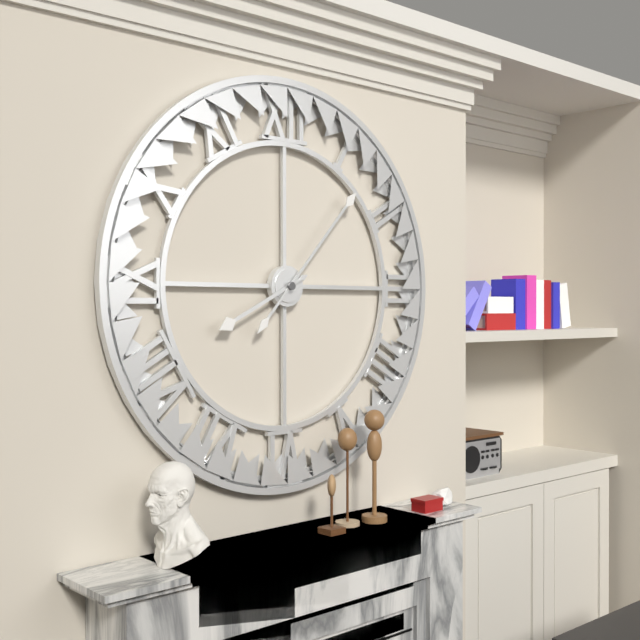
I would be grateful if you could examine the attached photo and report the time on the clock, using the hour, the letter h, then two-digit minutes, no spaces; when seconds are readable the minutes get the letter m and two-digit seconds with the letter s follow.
8h07
